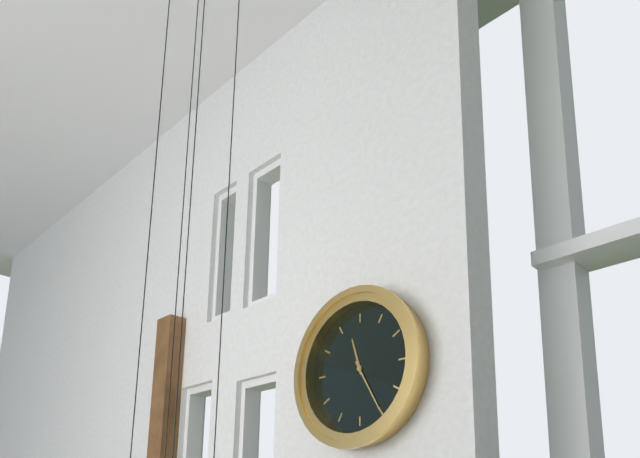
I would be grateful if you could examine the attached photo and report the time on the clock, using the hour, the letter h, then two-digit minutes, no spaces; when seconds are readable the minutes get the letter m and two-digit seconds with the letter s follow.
11h25
